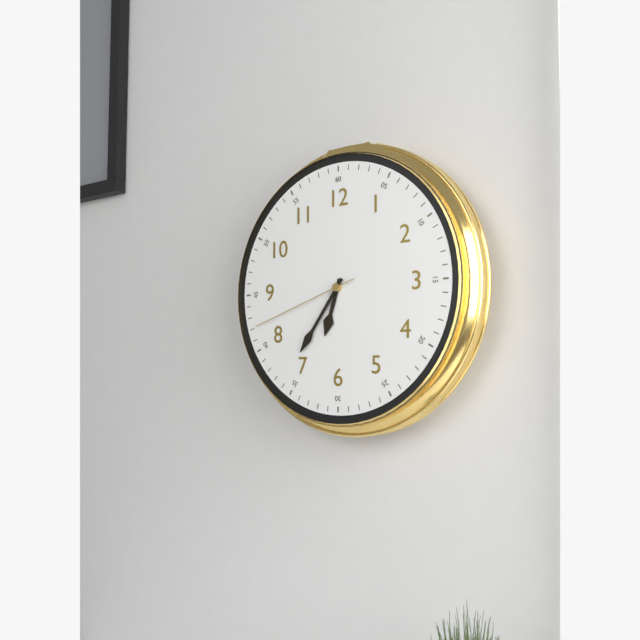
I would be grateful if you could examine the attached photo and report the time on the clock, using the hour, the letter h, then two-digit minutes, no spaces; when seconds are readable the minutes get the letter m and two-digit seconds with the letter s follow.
6h36m42s
